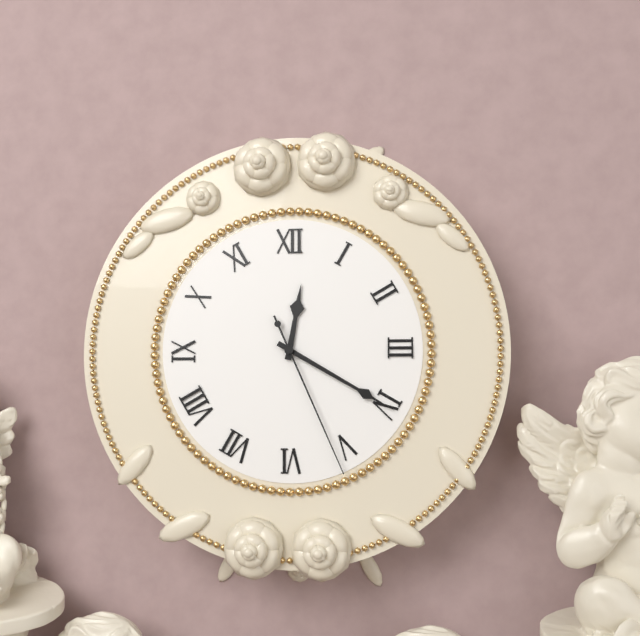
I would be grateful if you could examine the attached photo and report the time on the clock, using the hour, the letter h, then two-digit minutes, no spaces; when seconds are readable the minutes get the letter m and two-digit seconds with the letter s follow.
12h20m26s
